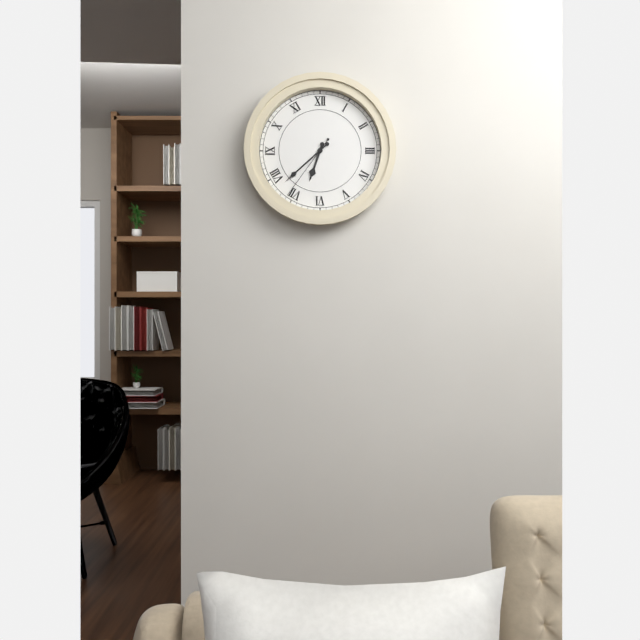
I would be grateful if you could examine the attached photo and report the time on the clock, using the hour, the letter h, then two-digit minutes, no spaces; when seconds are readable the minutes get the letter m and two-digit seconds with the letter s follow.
6h38m36s
